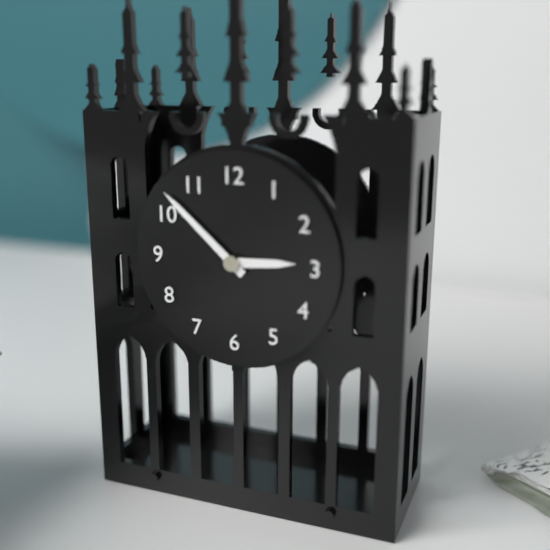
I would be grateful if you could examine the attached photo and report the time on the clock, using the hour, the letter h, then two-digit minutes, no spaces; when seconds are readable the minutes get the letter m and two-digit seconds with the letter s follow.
2h52
